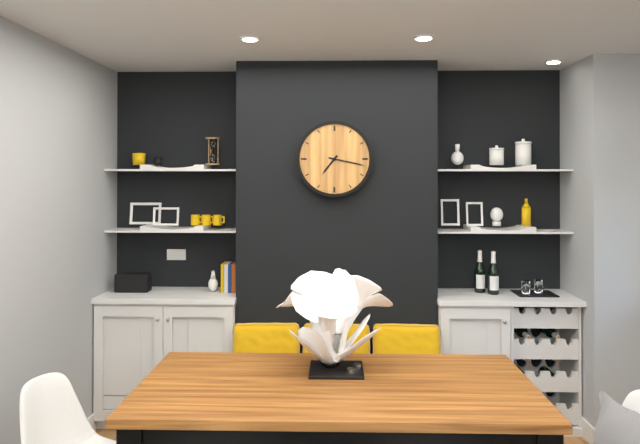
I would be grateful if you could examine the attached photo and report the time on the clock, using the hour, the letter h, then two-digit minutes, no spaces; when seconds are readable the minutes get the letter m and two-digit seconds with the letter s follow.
7h17
